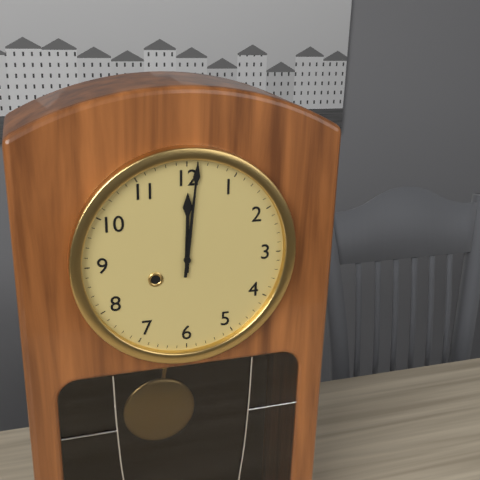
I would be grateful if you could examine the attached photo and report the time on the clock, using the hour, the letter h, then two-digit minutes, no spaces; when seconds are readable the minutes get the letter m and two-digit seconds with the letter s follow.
12h01
